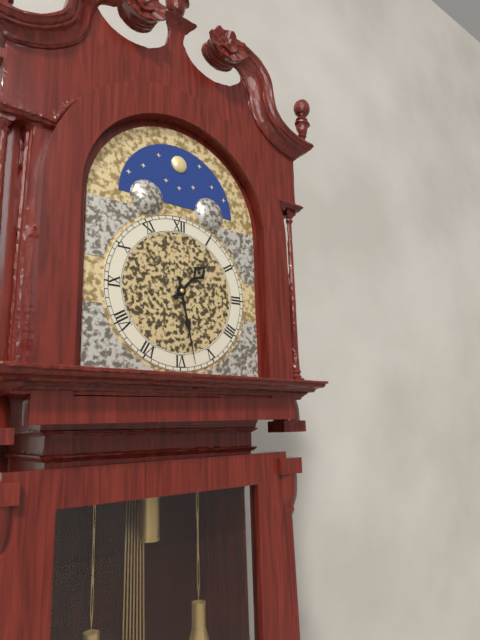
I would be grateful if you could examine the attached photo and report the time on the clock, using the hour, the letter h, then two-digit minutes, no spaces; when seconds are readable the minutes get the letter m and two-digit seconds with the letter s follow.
1h28
